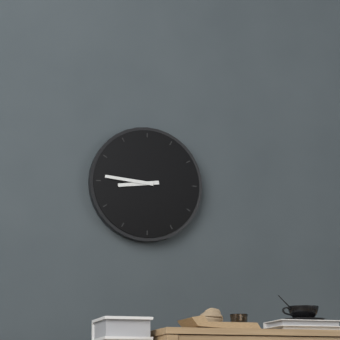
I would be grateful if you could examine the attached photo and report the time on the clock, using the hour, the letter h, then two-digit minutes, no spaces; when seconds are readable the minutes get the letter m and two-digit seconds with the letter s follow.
8h46
